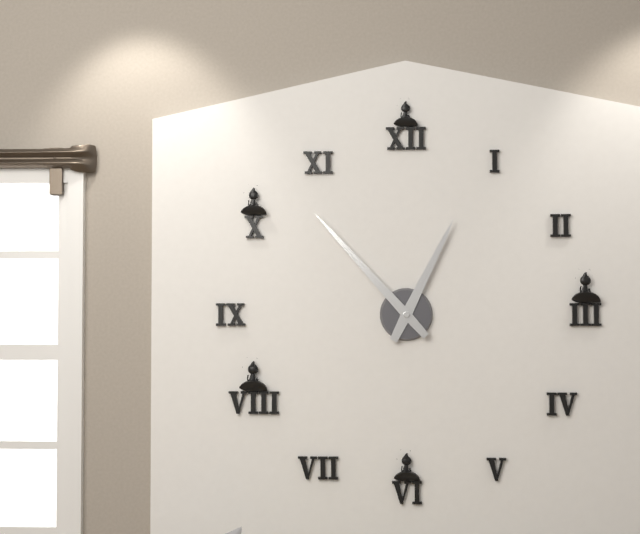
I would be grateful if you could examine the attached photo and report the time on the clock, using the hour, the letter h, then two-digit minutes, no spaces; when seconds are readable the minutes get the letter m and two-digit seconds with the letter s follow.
12h53
